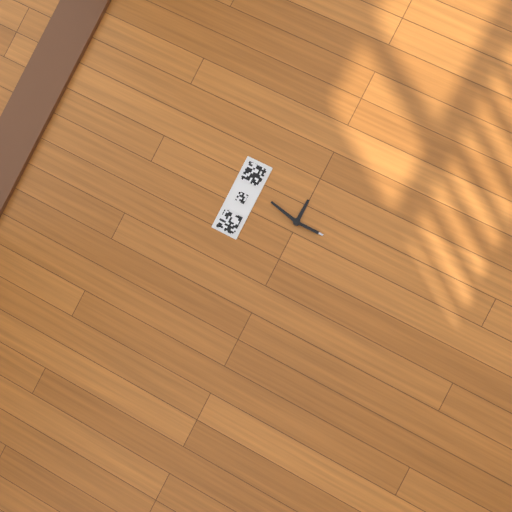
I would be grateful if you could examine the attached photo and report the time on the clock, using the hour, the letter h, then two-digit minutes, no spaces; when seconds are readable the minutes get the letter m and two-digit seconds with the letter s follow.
3h02
